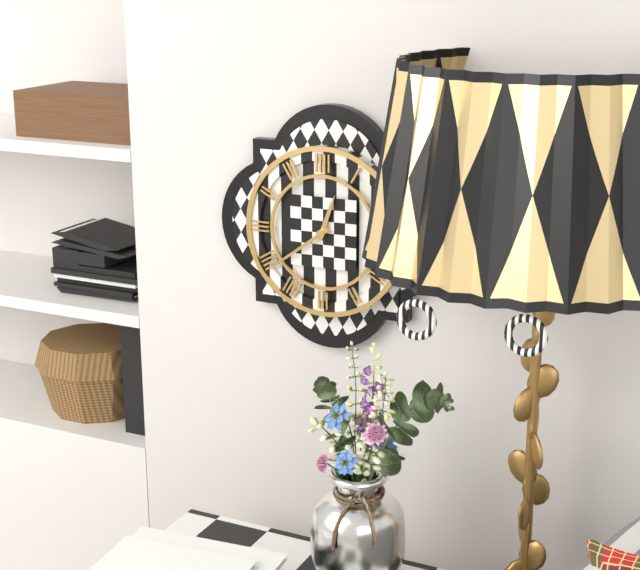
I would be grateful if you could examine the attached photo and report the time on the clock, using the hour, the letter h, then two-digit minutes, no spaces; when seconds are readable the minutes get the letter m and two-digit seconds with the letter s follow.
12h39
